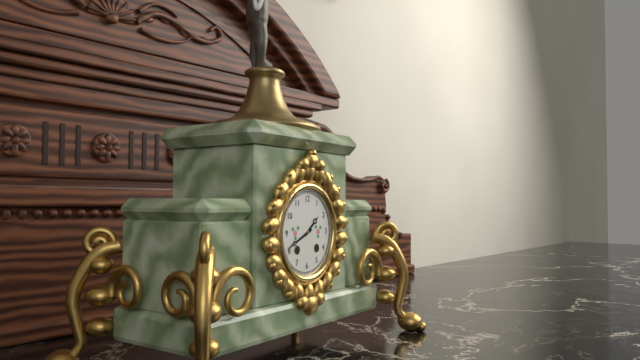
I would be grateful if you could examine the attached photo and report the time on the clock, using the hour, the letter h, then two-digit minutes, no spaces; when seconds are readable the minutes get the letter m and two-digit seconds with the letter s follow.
1h41
